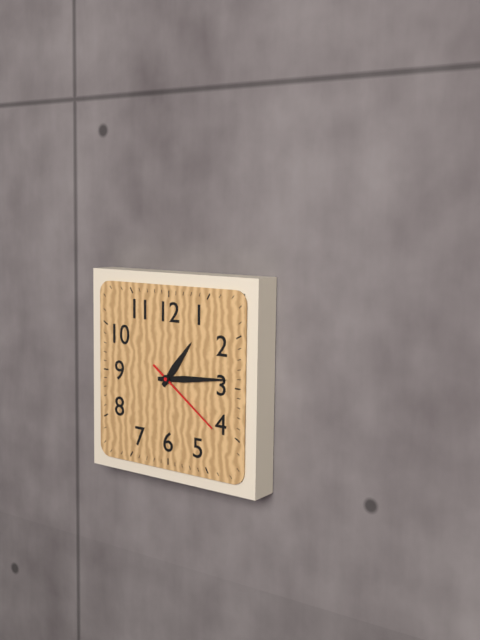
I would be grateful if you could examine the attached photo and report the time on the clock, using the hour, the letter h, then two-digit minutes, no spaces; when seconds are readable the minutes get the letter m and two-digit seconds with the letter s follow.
1h14m21s
